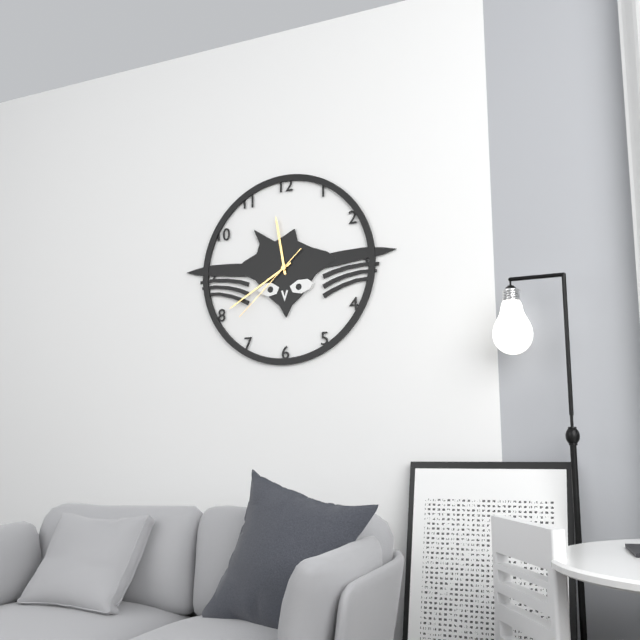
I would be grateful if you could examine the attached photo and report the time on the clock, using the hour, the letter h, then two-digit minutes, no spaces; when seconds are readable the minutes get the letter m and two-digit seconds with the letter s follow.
11h40m38s
